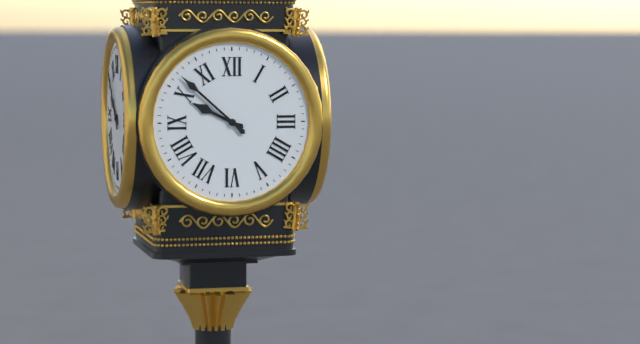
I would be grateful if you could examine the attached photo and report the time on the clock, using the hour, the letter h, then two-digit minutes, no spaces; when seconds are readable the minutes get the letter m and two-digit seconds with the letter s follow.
9h52
